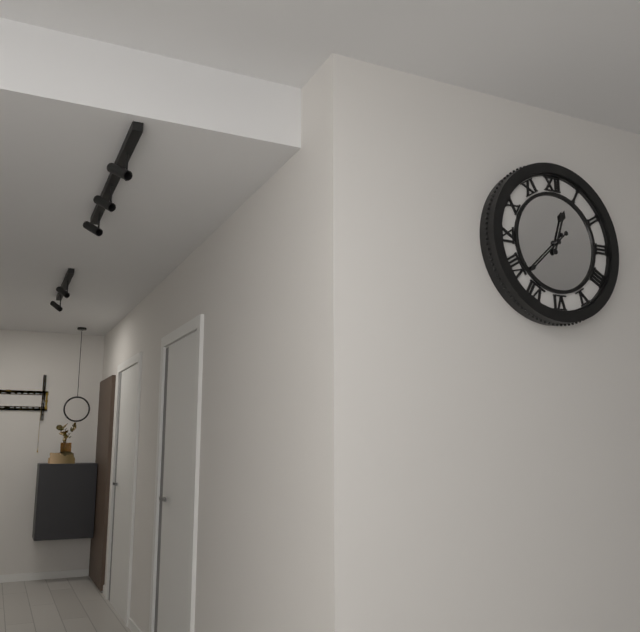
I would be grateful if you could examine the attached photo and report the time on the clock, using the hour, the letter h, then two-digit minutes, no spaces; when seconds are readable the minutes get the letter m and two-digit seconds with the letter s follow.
12h38
